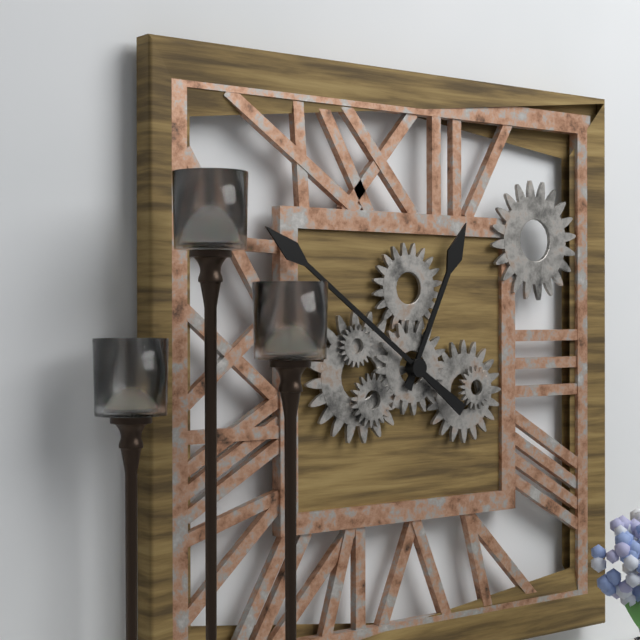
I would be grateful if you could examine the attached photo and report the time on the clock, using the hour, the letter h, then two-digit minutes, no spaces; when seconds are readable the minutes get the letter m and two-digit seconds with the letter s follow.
12h51
